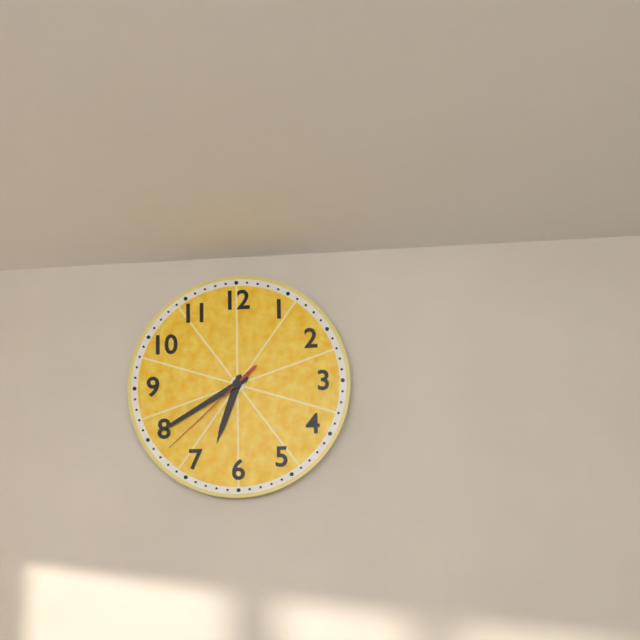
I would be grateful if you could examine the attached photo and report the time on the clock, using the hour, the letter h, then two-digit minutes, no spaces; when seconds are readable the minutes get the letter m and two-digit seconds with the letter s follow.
6h40m38s
